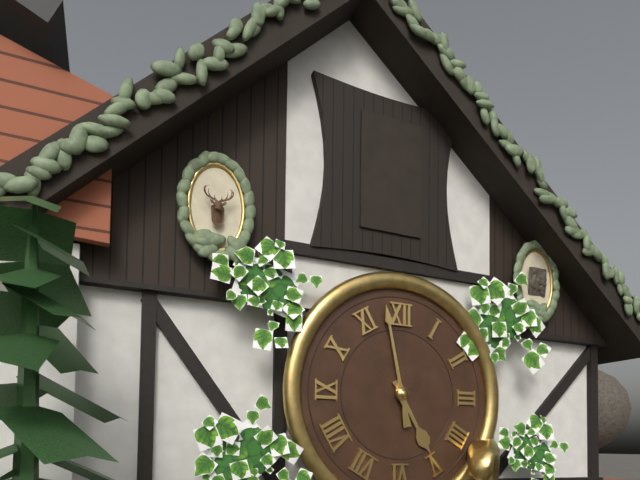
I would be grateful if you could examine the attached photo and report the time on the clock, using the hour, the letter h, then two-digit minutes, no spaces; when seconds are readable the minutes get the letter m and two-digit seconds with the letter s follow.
4h58
